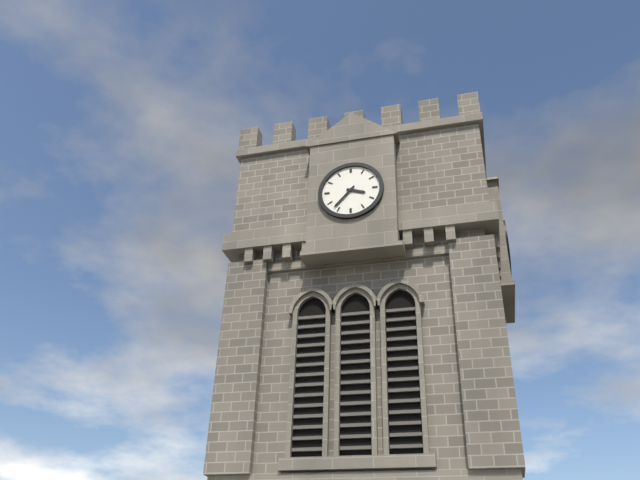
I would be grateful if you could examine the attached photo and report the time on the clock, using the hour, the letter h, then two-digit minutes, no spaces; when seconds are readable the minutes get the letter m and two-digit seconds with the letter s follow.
3h37
